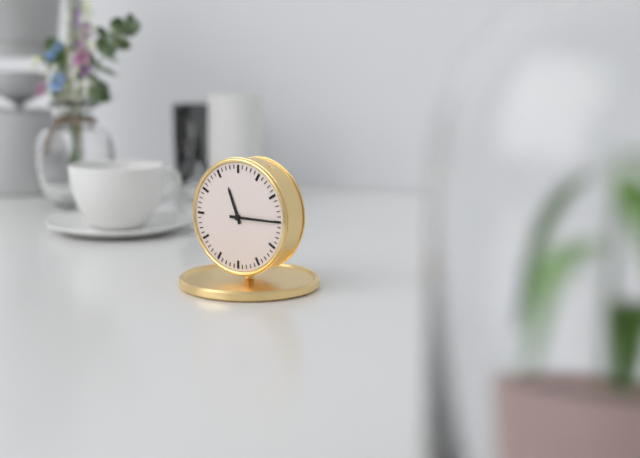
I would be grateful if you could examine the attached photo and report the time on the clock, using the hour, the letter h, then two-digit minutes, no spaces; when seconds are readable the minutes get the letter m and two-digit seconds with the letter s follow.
11h15
